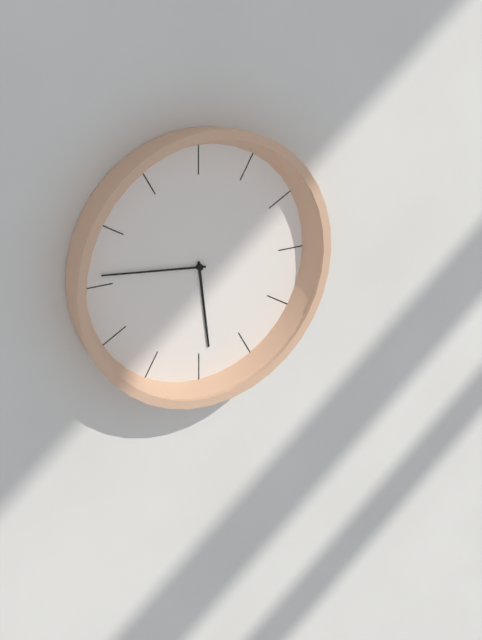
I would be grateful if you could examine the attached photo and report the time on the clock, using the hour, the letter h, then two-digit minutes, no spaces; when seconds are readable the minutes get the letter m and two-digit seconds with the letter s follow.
5h46
